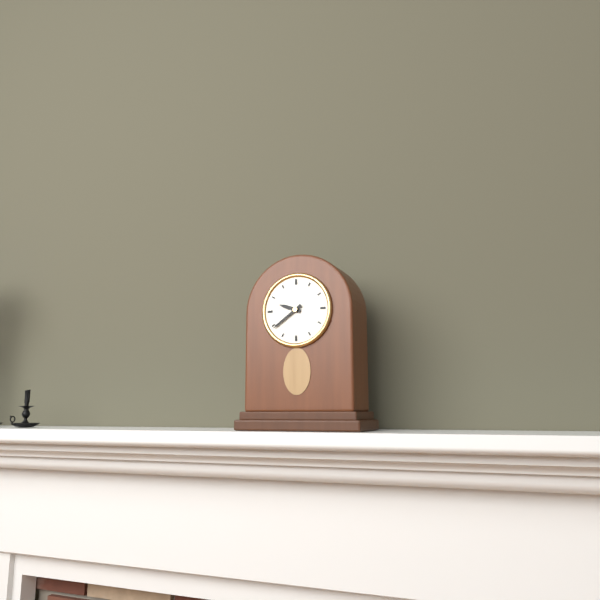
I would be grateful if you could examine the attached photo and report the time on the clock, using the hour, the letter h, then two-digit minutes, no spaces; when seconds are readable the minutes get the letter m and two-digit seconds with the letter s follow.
9h39
